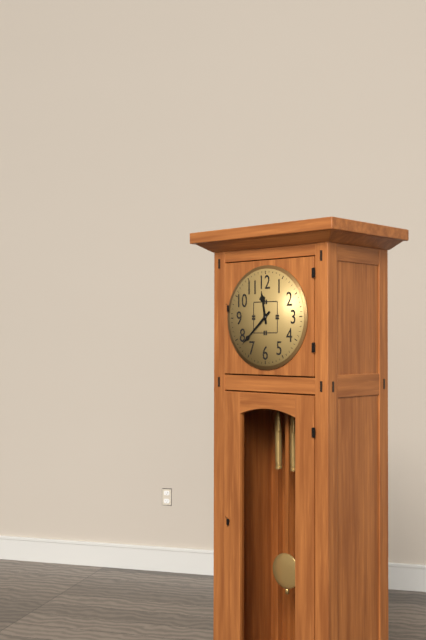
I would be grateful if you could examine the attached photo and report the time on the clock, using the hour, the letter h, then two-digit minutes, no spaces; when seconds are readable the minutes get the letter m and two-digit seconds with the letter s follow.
11h38
